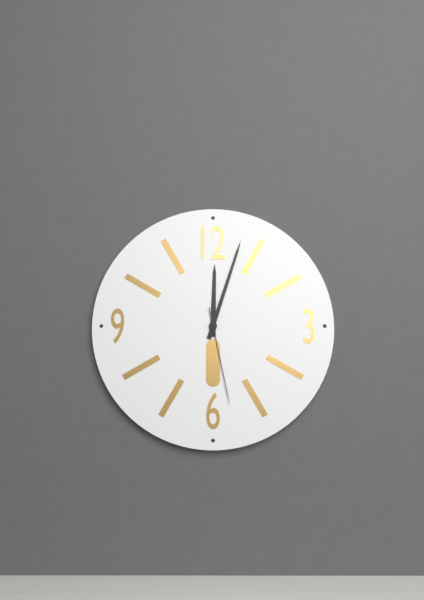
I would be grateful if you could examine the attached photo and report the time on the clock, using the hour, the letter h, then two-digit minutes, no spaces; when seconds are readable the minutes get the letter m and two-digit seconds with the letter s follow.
12h03m28s
